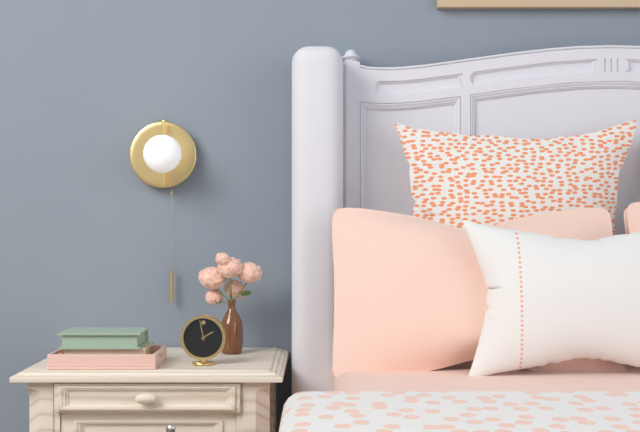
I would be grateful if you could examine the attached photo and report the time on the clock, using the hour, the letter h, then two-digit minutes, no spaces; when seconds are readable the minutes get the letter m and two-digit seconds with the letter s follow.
1h58
